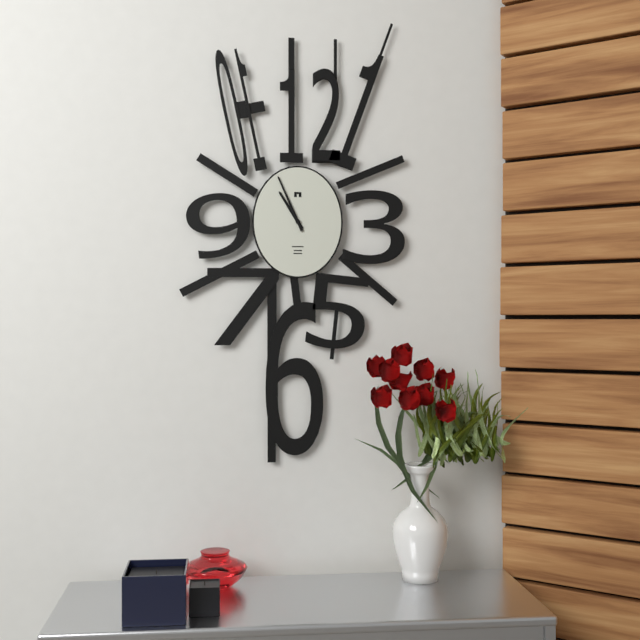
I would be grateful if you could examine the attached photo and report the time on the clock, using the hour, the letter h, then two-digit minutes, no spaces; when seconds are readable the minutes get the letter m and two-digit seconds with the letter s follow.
10h56
